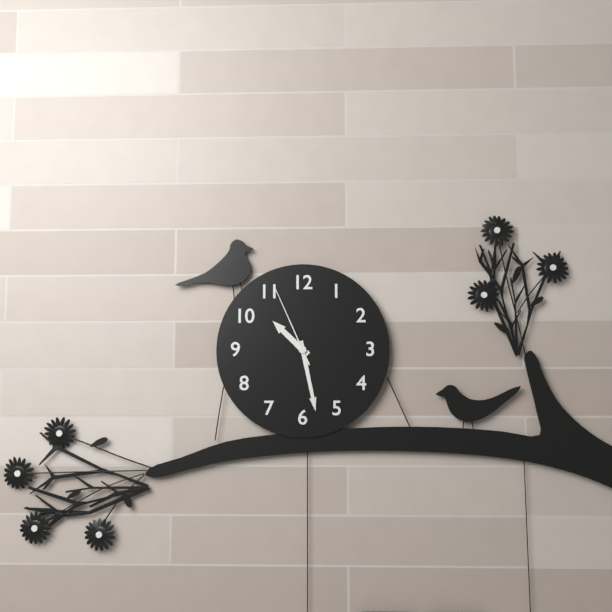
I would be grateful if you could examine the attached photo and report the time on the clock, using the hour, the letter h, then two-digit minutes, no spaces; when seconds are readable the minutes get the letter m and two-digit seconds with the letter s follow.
10h28m56s
